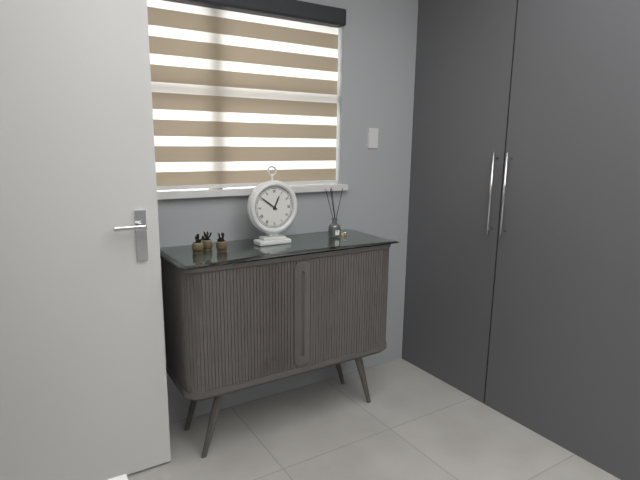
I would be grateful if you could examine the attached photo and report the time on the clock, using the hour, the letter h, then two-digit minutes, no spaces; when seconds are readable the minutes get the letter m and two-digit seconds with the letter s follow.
12h51
